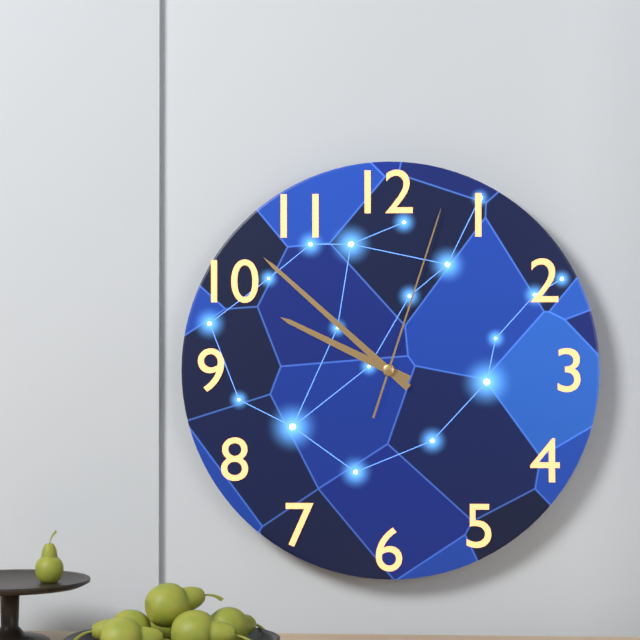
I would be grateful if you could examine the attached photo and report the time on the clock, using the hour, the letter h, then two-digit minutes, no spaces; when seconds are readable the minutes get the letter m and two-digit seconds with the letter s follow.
9h52m03s
